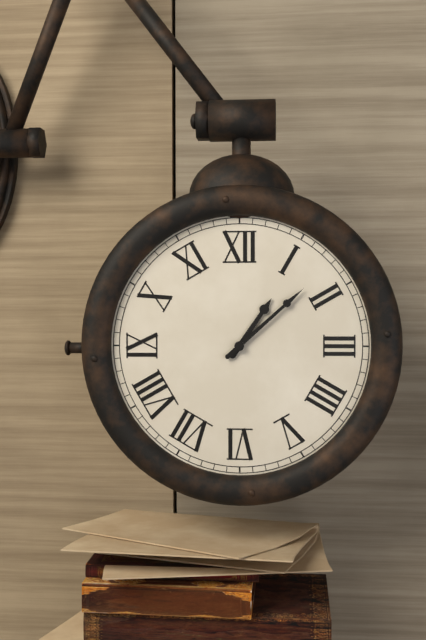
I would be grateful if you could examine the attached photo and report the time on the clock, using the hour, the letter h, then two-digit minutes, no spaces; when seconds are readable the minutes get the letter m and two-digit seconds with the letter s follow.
1h08
